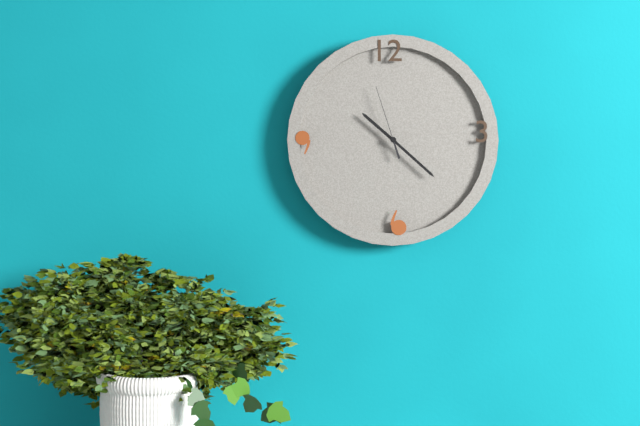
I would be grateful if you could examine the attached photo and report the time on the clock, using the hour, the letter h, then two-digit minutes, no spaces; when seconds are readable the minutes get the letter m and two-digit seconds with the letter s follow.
10h22m57s
